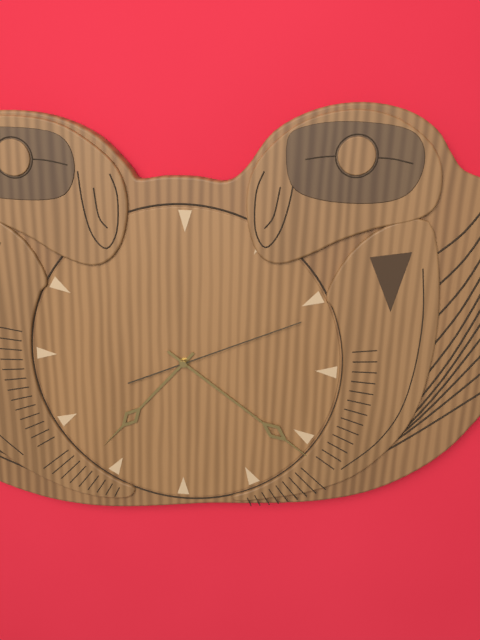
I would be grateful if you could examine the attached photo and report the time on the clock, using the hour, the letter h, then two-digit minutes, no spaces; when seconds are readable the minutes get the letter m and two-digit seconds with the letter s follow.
7h21m11s
